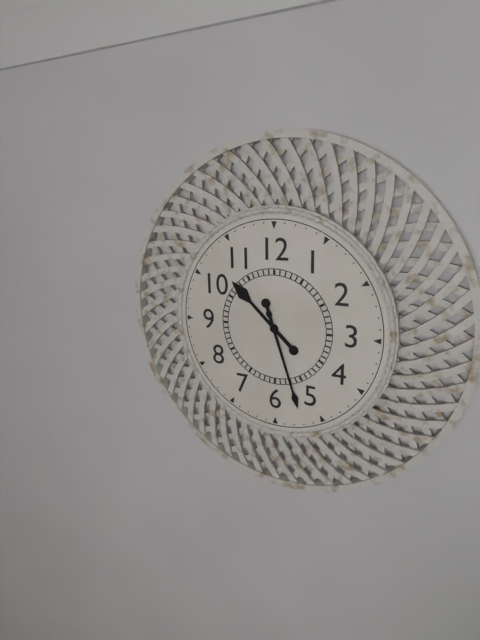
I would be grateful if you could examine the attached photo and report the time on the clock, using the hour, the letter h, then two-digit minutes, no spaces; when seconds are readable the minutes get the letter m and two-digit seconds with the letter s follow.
10h27
